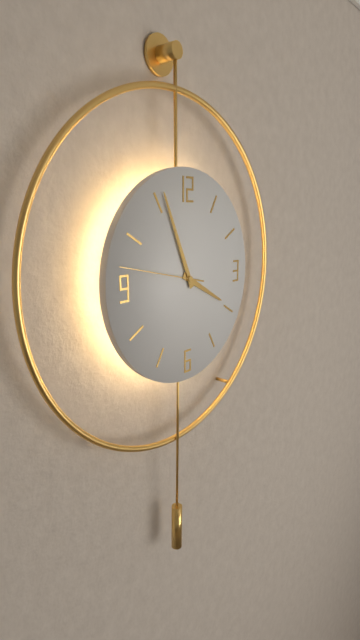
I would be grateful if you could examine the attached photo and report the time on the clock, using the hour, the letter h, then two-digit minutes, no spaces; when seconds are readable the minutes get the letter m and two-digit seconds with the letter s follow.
3h56m47s
